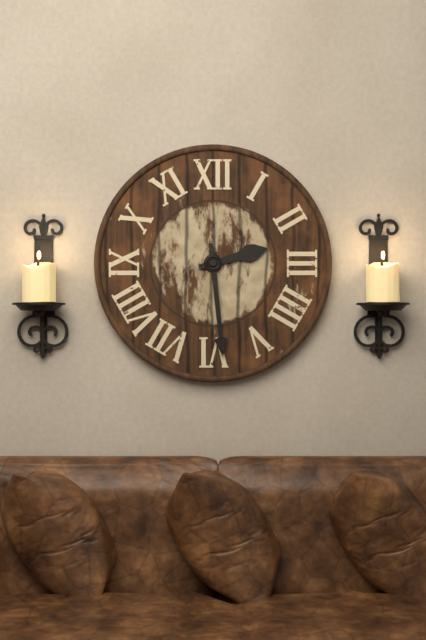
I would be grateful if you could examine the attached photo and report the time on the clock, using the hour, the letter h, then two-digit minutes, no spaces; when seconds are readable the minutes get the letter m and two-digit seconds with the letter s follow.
2h29
